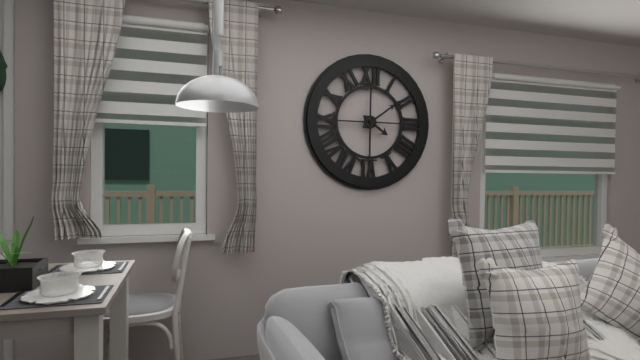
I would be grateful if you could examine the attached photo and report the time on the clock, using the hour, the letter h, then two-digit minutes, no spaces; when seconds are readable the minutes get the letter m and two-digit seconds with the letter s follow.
4h09
